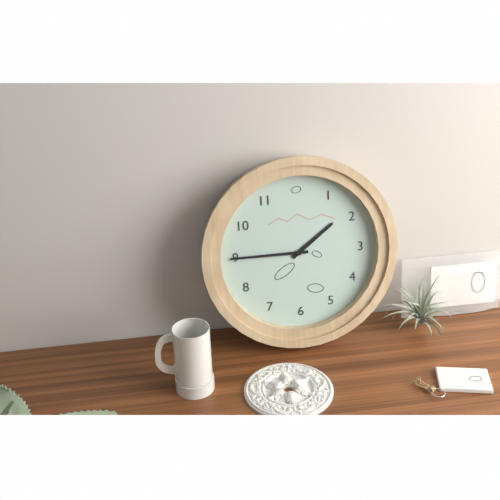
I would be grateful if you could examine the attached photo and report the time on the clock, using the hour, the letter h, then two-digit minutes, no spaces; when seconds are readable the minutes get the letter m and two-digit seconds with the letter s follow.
1h45
